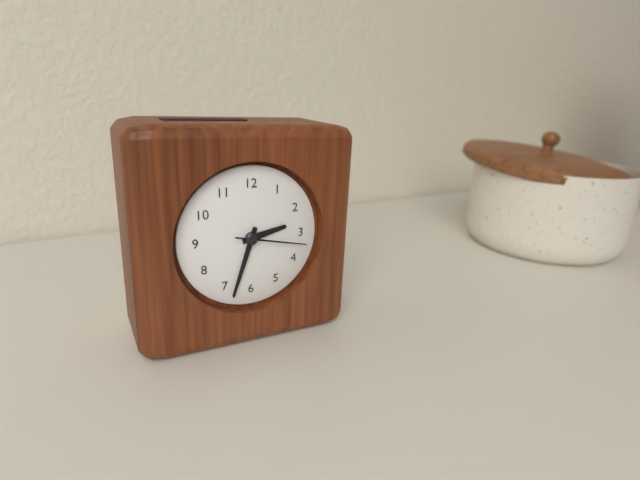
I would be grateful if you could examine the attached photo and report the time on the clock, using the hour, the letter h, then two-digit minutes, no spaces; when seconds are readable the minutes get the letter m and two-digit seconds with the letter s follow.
2h33m17s
